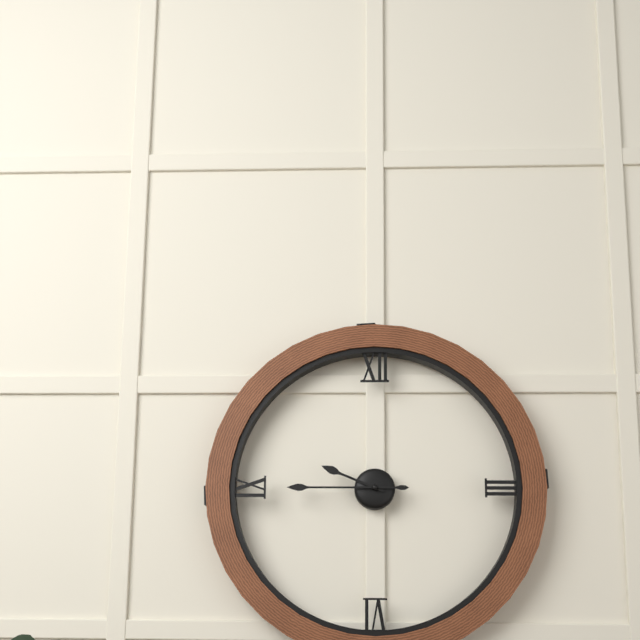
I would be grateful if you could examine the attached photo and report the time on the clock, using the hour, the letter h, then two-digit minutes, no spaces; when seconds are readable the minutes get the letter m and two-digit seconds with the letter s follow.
9h45
